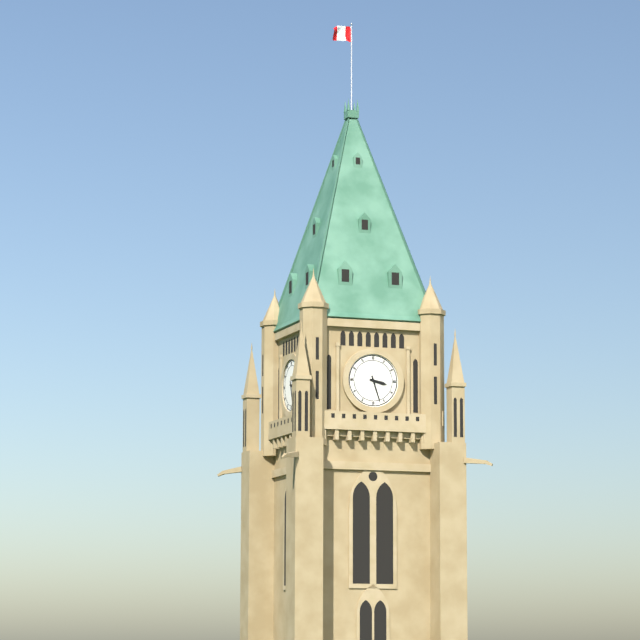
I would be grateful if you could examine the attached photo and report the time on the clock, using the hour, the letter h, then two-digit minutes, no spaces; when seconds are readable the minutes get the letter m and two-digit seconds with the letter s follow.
3h27
